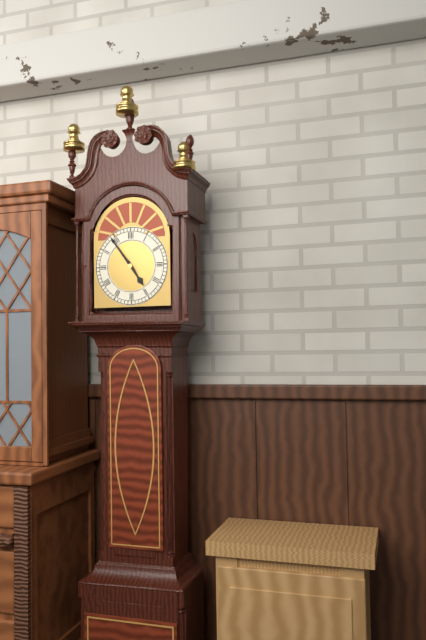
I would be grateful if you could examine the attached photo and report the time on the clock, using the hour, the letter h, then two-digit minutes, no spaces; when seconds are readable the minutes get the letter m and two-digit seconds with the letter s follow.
4h54
